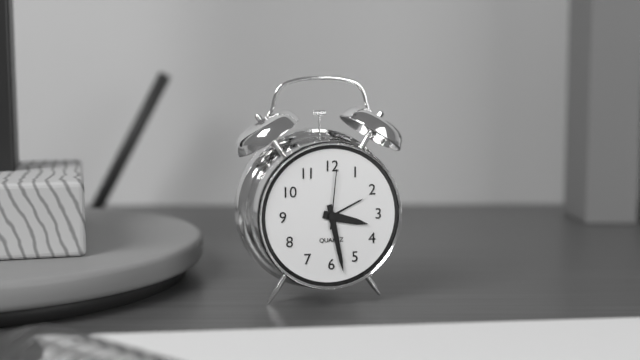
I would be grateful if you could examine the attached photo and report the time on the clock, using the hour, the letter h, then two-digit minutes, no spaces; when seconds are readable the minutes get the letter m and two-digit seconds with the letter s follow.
3h28m01s
